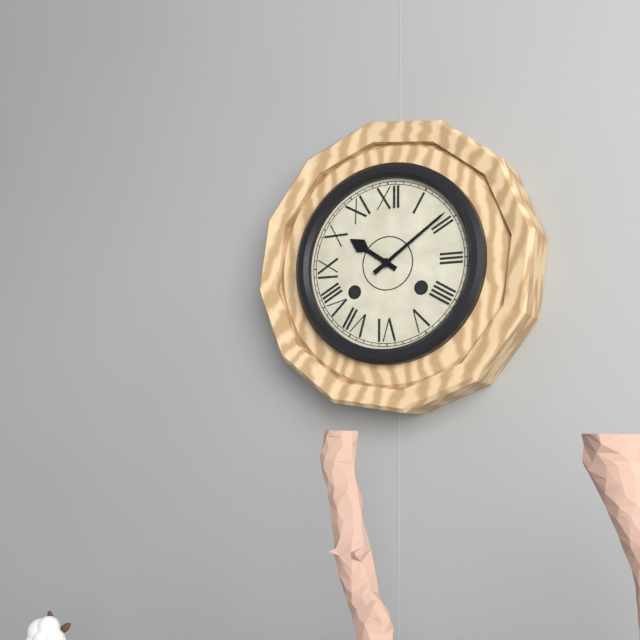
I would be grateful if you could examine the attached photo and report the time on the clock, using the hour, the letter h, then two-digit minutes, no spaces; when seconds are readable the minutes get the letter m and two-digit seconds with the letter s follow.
10h09
